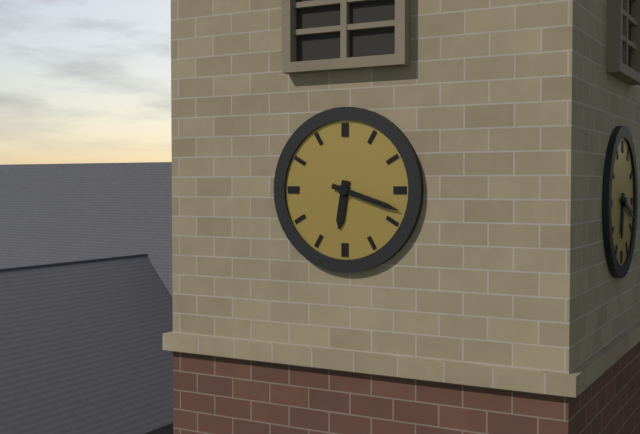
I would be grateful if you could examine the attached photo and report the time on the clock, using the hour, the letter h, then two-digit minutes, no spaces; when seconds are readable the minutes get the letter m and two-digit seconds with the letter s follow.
6h18
